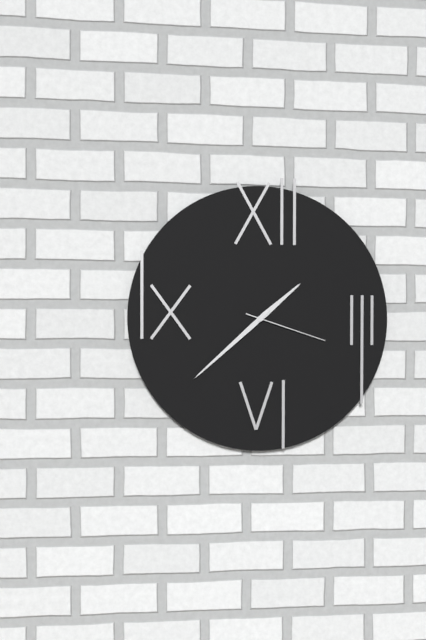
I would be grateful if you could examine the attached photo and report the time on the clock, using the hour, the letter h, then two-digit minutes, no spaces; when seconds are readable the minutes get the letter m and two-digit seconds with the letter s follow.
1h38m18s
